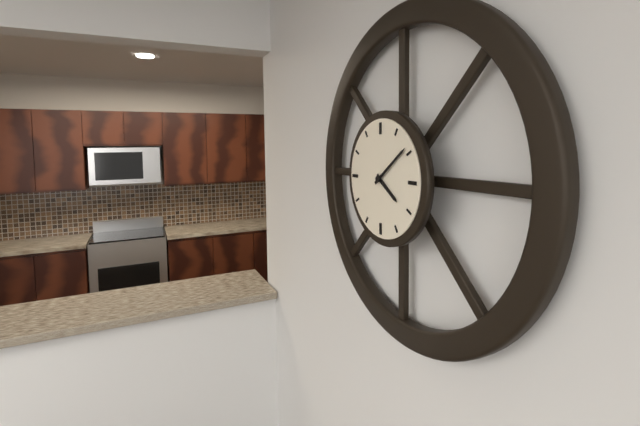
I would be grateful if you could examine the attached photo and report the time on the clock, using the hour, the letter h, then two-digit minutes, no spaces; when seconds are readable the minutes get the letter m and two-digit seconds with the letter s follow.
4h09
